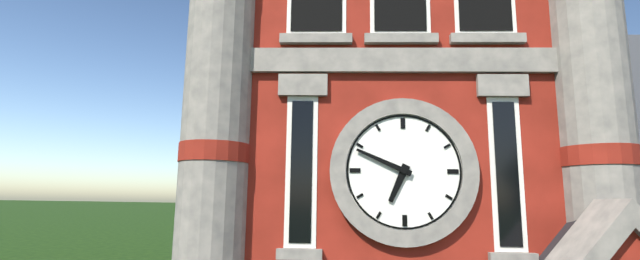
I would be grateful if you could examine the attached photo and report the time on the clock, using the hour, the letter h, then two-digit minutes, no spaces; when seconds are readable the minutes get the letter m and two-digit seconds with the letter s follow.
6h49
